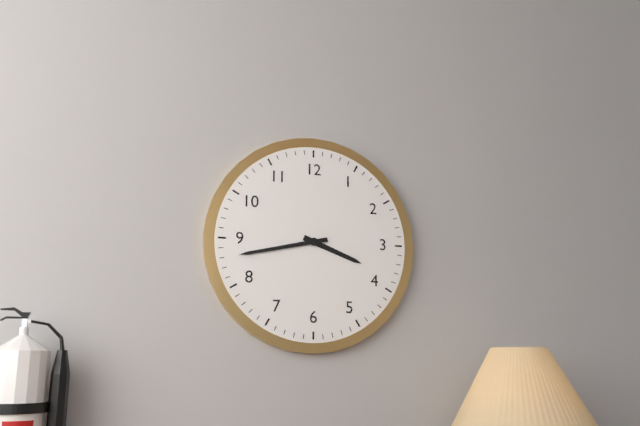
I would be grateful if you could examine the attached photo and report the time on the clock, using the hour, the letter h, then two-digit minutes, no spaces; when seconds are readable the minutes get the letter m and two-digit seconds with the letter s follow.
3h43
